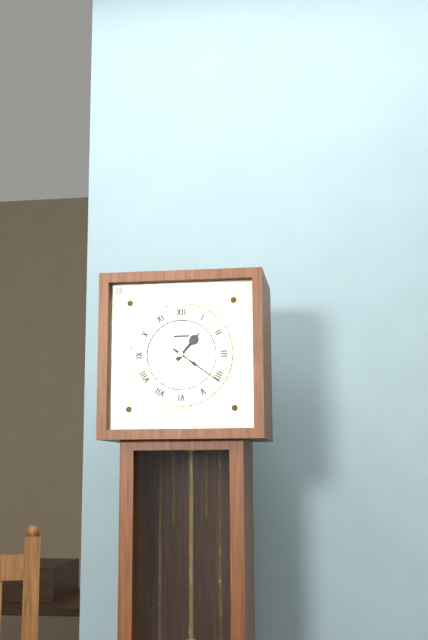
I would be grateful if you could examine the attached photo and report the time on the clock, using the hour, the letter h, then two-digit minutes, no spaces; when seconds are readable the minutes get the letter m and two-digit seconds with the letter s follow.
1h21
